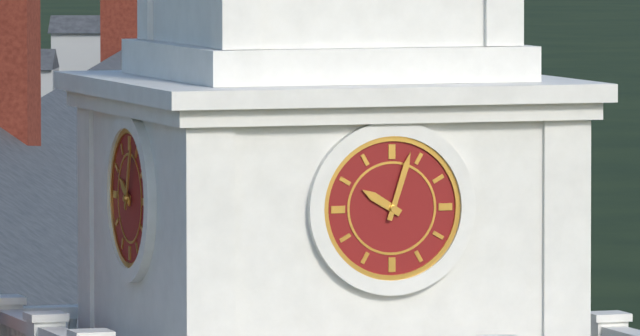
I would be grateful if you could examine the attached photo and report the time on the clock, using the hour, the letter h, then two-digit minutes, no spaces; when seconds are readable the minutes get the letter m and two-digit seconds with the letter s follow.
10h03
